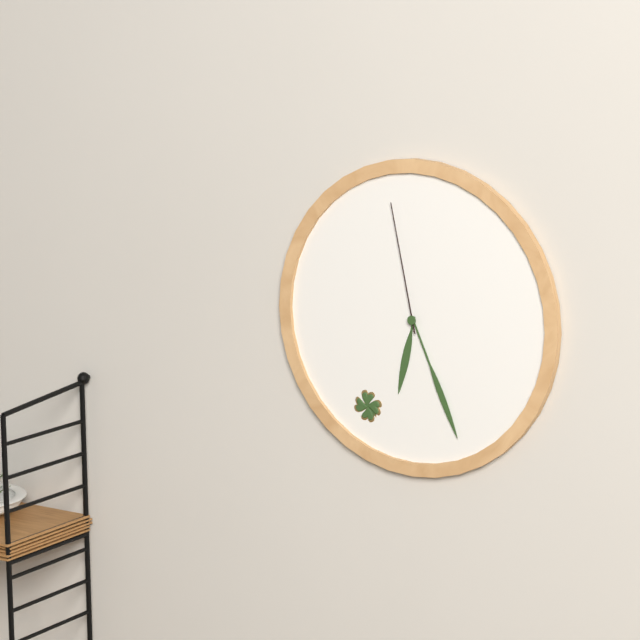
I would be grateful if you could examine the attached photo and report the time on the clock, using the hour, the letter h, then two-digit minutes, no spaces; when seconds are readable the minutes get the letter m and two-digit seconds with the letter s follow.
6h26m58s
